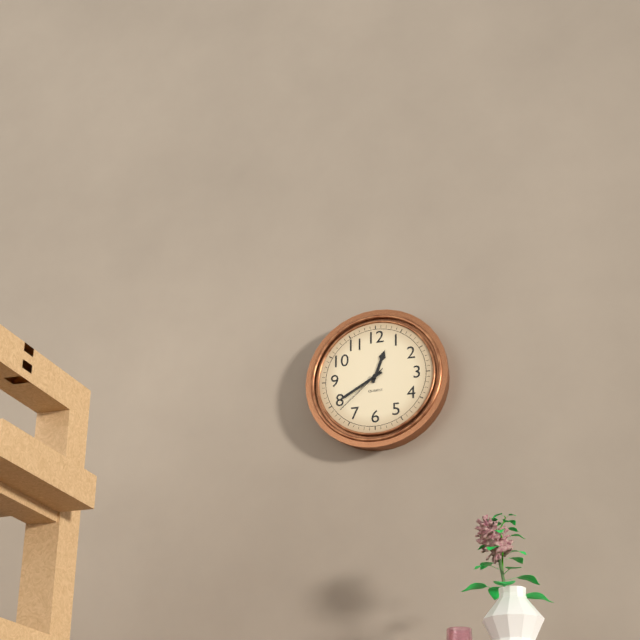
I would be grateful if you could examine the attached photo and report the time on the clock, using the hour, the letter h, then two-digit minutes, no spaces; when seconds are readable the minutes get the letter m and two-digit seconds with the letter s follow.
12h40m38s
